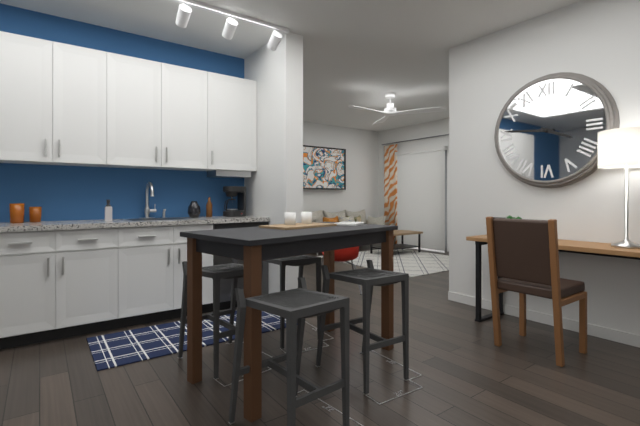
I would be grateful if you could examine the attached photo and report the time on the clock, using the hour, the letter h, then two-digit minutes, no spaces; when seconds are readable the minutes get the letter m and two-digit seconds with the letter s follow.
3h46
